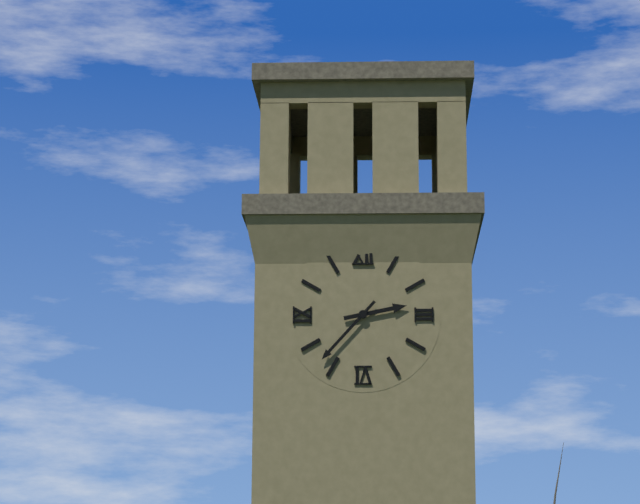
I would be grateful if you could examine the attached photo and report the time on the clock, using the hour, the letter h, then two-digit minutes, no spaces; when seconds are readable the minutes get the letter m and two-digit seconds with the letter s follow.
2h37
